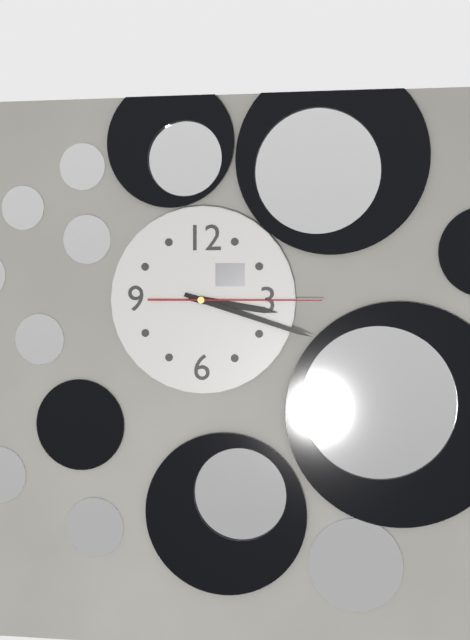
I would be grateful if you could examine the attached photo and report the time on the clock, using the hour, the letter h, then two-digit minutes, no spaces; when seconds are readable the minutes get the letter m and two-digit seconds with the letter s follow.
3h18m15s
